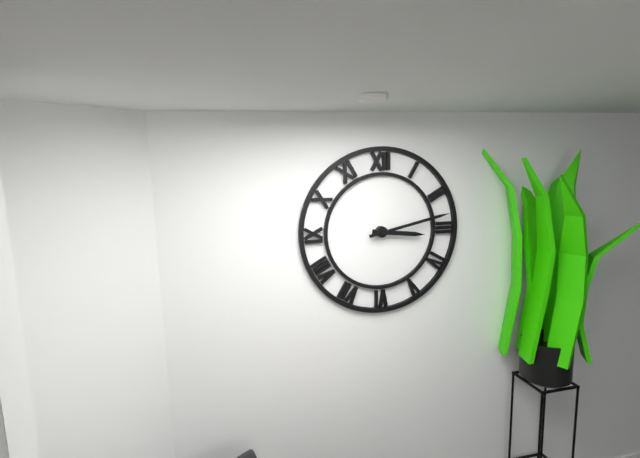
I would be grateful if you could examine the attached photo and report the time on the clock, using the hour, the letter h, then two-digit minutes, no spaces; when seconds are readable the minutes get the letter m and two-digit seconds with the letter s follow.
3h13
